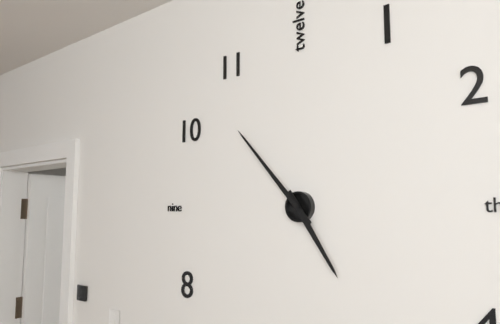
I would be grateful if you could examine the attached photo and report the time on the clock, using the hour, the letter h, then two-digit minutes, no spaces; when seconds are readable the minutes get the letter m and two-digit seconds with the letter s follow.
4h53
